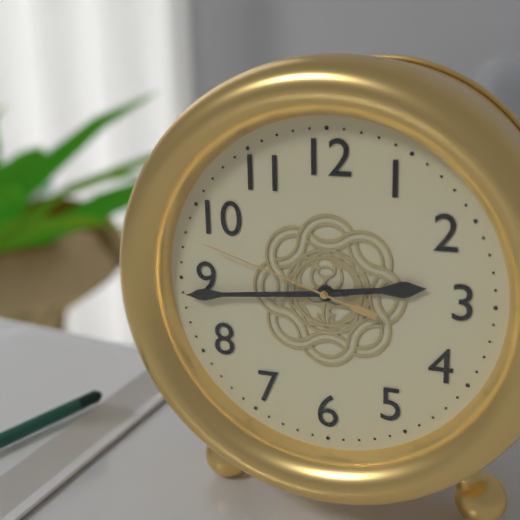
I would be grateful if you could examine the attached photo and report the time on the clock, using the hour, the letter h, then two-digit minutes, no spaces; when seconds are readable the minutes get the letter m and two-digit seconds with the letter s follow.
2h44m48s
